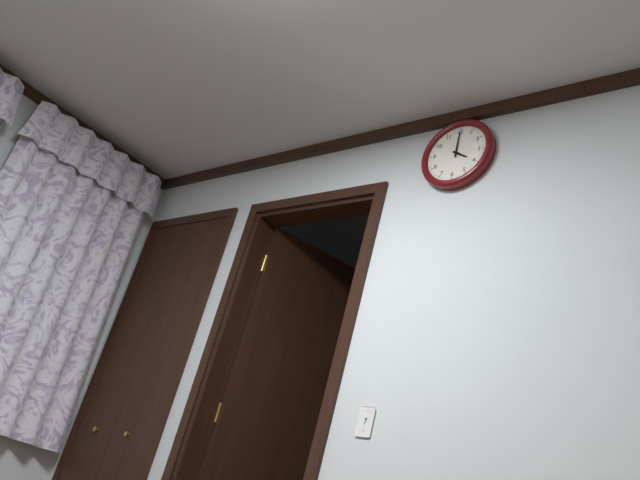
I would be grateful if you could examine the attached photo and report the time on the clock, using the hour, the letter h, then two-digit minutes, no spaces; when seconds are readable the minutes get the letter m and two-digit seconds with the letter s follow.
4h00
